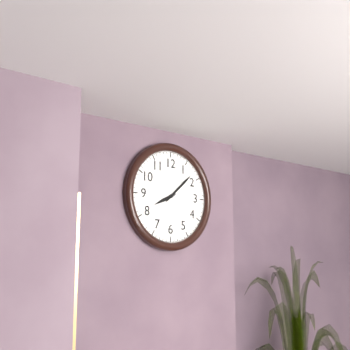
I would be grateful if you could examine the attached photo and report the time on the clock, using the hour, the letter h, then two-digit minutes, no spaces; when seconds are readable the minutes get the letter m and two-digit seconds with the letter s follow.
8h08
